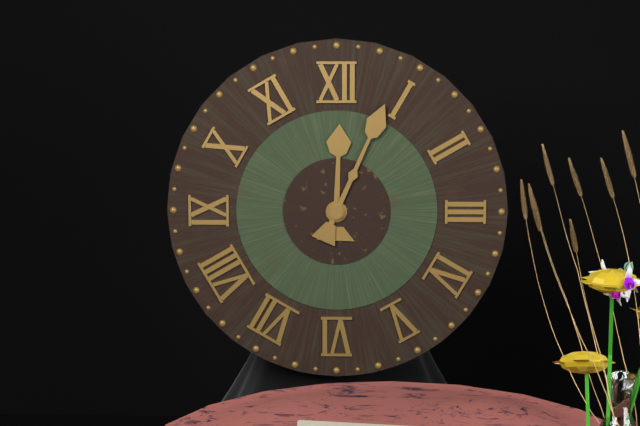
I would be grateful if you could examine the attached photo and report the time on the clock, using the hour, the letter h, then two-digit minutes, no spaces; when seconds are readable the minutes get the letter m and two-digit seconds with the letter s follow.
12h04
